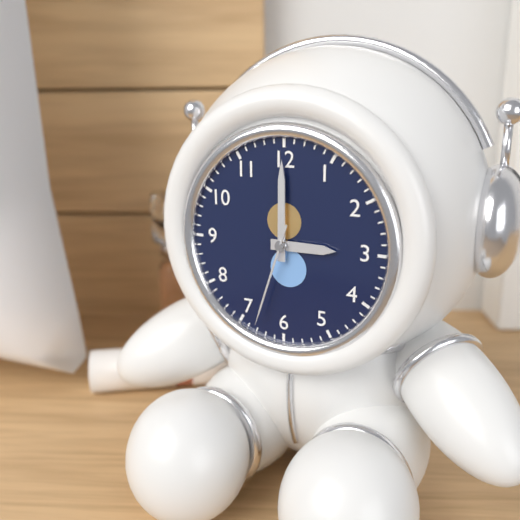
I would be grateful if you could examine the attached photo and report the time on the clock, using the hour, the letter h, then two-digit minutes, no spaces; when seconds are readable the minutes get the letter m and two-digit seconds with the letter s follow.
3h00m33s
